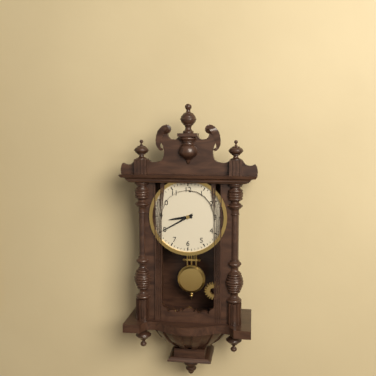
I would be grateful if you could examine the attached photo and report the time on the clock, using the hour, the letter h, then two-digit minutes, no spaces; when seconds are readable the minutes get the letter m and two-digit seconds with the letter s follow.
8h40
